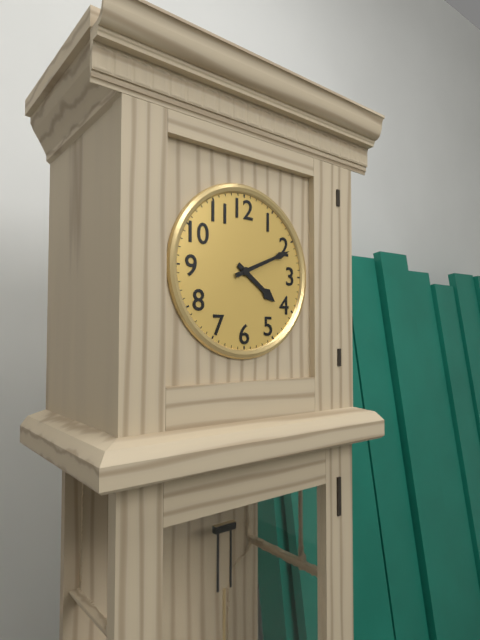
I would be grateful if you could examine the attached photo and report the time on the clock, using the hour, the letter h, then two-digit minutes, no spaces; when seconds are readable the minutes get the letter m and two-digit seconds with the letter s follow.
4h11
